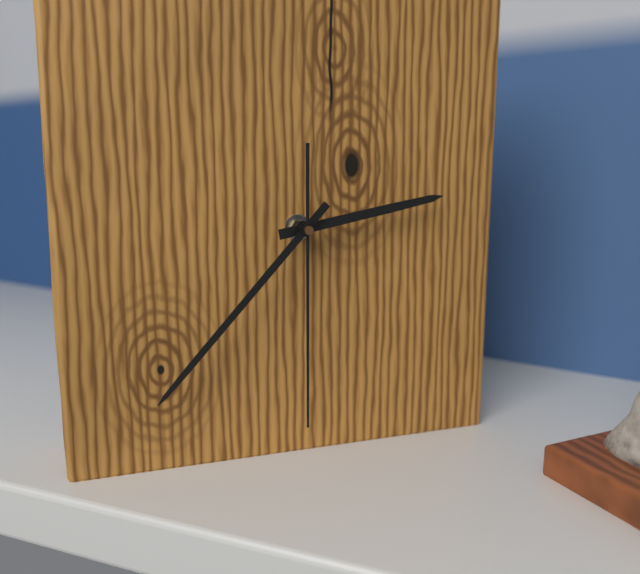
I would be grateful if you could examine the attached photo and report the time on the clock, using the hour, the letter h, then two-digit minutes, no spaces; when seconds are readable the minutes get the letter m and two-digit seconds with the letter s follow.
2h37m30s
